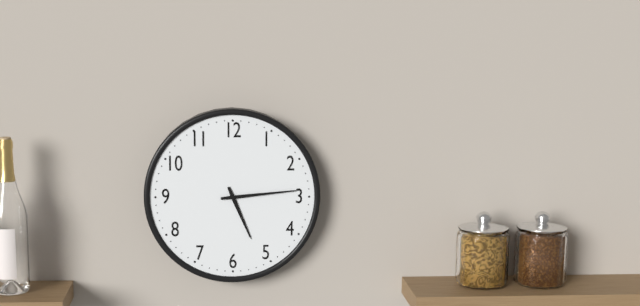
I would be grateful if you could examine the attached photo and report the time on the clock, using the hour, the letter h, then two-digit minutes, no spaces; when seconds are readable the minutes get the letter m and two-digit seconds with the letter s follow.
5h14
